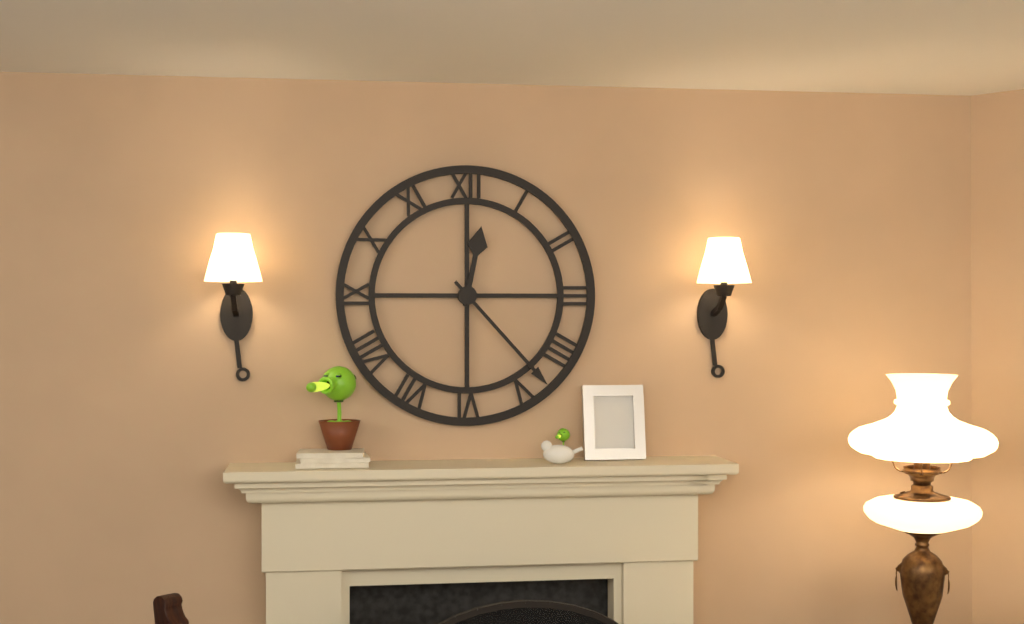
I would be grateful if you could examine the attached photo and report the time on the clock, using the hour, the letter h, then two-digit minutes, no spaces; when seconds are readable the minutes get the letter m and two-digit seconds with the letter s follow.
12h23
